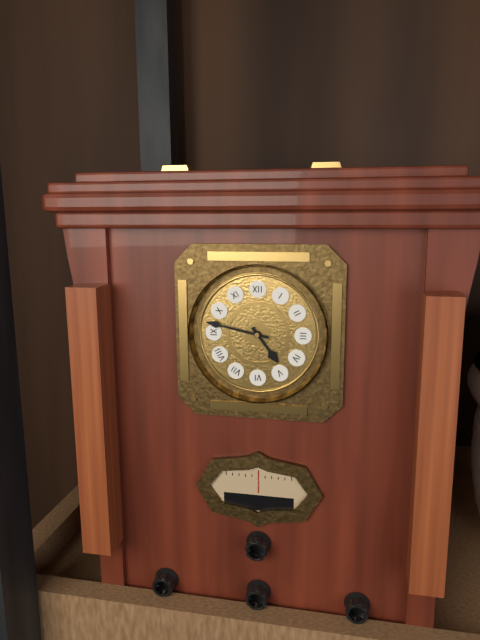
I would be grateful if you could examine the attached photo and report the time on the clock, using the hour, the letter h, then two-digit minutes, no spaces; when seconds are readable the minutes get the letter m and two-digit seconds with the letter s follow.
4h47
